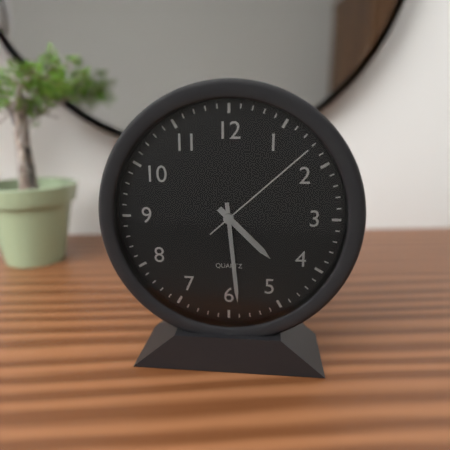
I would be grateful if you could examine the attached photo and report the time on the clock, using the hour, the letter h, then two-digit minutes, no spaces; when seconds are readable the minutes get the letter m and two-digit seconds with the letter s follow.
4h29m08s
